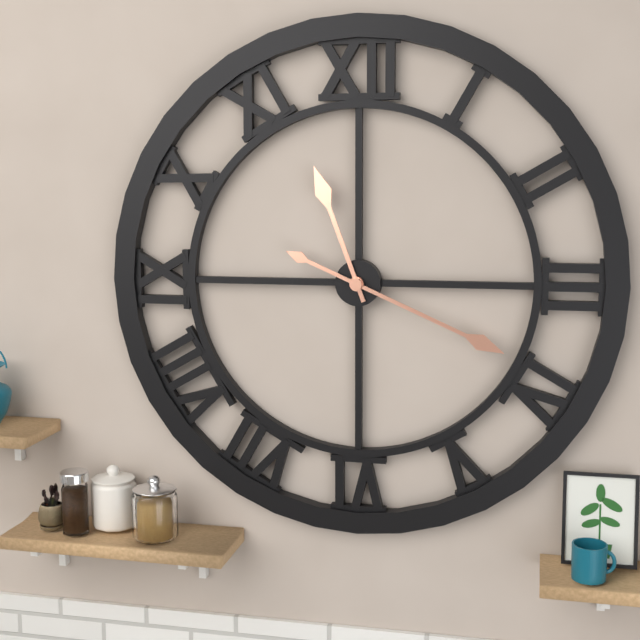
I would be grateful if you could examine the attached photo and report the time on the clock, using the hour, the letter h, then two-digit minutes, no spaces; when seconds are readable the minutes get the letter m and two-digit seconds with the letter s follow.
11h19
